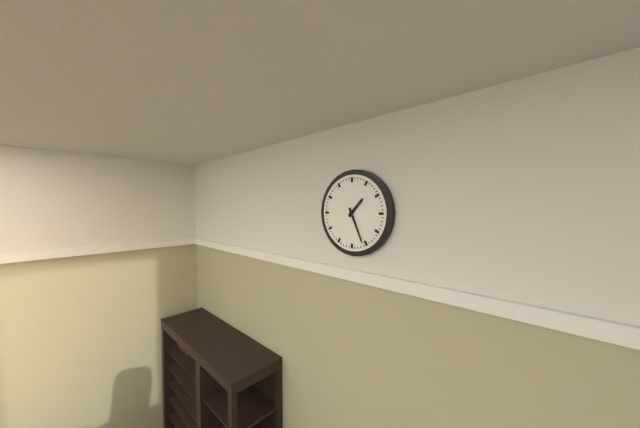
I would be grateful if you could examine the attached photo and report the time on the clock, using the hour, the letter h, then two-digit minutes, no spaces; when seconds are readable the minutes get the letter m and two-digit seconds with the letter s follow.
1h26
